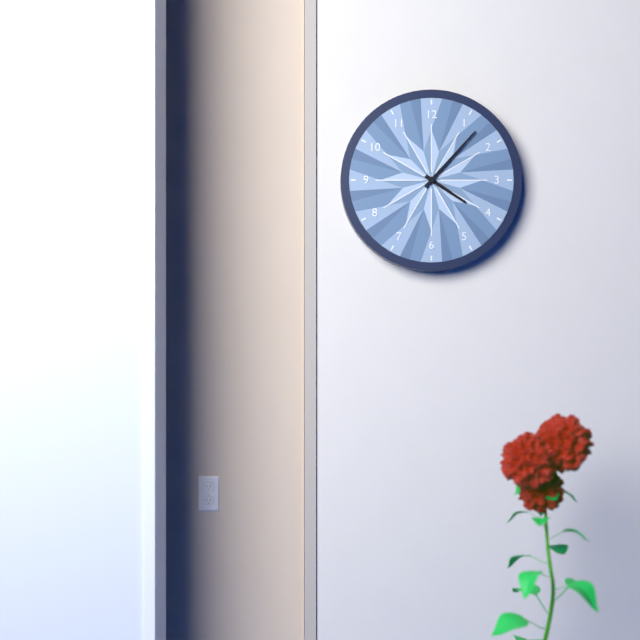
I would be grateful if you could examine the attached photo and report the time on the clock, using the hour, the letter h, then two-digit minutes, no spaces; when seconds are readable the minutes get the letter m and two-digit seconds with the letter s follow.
4h07
